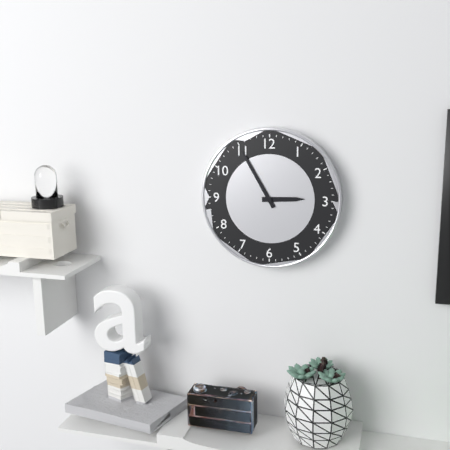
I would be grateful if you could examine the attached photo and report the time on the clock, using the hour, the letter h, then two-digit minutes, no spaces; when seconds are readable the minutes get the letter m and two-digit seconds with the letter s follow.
2h55
